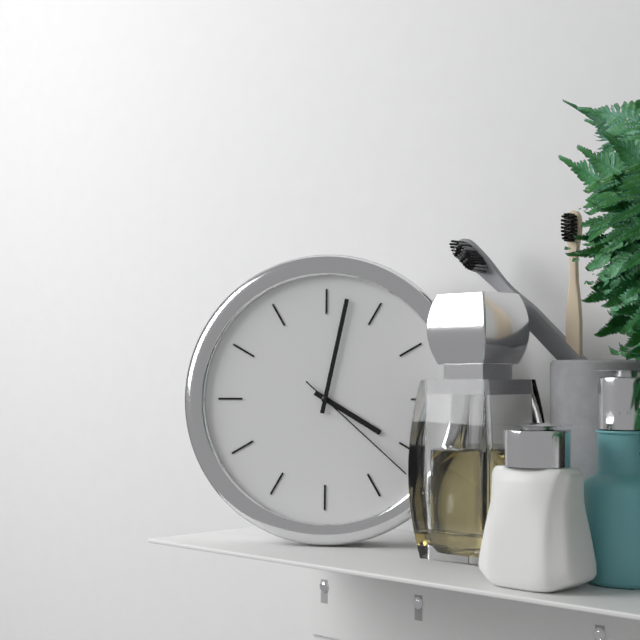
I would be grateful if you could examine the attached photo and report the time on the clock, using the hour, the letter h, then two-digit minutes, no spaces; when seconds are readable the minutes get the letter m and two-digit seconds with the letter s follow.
4h02m22s
